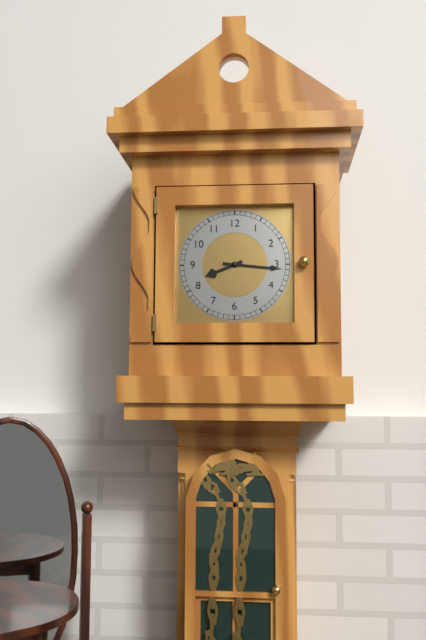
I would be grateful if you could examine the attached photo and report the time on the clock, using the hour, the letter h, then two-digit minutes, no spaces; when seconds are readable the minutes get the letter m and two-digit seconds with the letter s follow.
8h16
